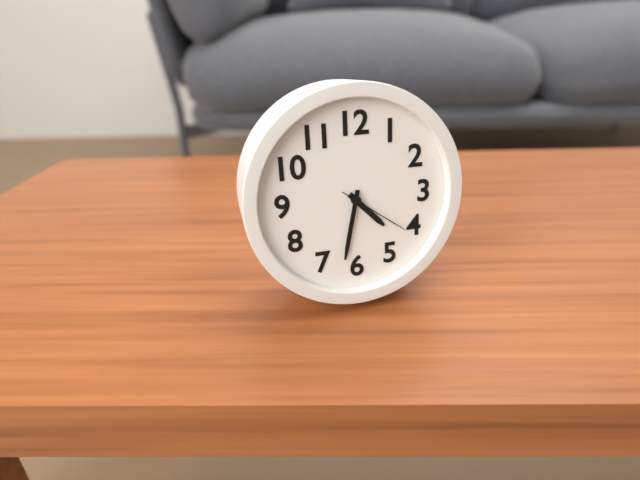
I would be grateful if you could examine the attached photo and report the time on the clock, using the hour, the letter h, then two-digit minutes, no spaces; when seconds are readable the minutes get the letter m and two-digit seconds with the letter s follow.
4h32m21s
